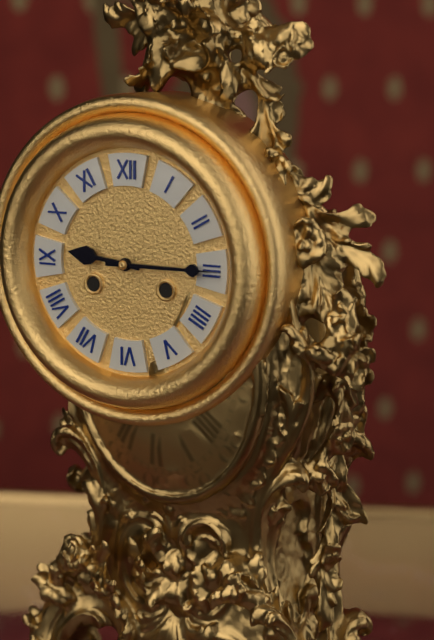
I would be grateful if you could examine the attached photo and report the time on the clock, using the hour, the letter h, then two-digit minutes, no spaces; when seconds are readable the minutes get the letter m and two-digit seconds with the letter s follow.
9h15
